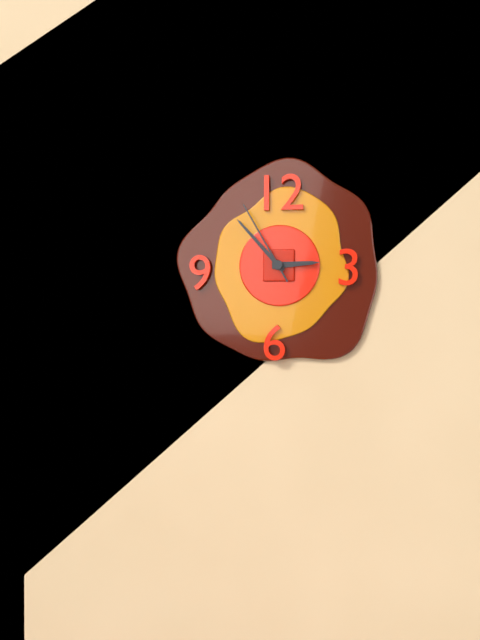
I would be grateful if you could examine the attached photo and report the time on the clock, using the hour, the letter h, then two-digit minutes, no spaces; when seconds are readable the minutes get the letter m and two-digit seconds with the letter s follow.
2h53m55s
